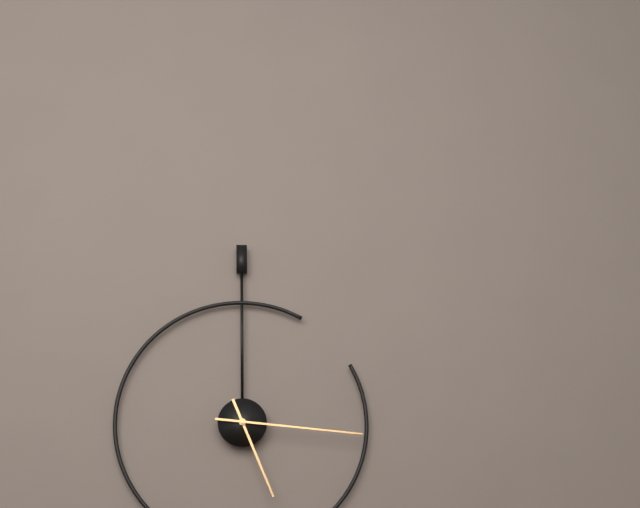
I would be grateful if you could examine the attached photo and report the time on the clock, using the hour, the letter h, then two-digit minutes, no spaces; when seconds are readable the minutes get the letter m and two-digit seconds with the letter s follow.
5h16
